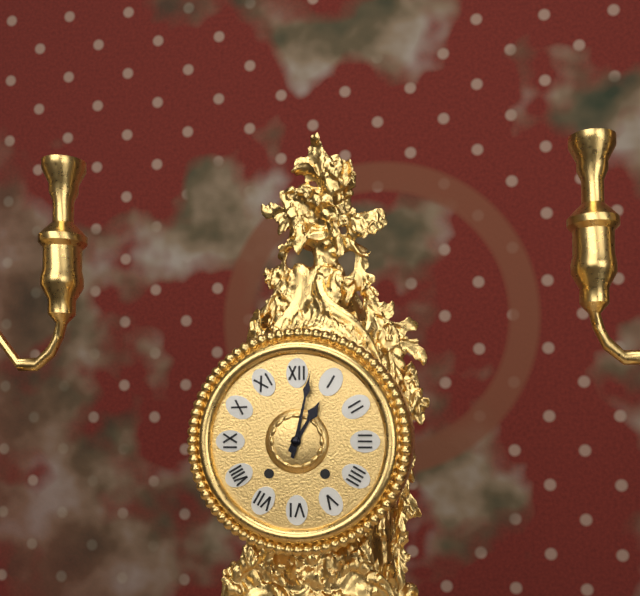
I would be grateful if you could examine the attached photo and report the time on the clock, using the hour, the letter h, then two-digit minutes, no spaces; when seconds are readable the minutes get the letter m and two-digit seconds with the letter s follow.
1h02
